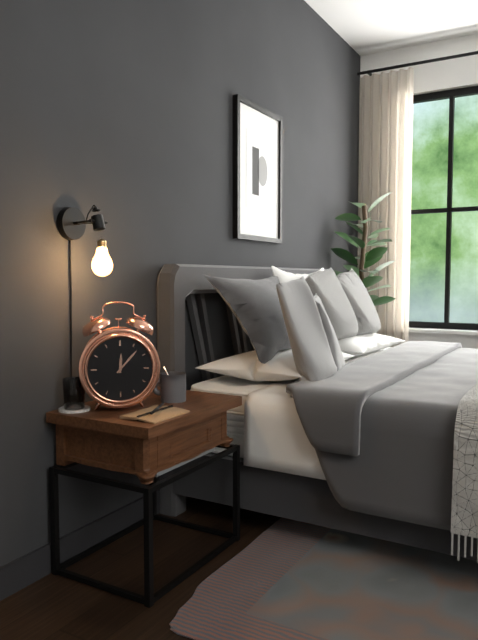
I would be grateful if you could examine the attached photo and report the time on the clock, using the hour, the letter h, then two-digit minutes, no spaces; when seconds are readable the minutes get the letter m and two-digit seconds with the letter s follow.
12h07
